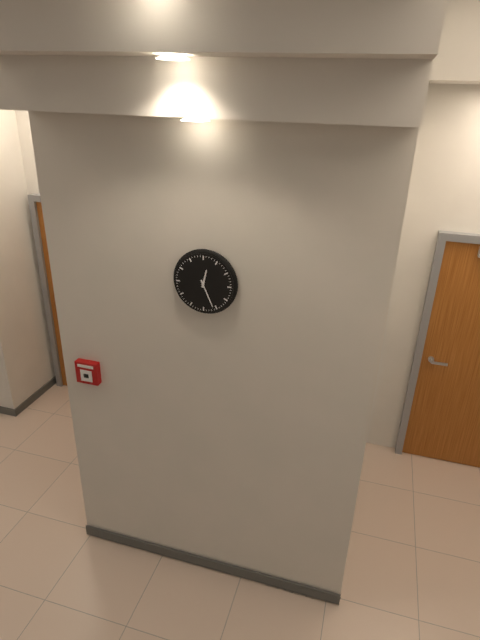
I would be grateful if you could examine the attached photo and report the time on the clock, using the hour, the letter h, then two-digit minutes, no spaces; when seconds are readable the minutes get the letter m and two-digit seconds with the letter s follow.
12h26
